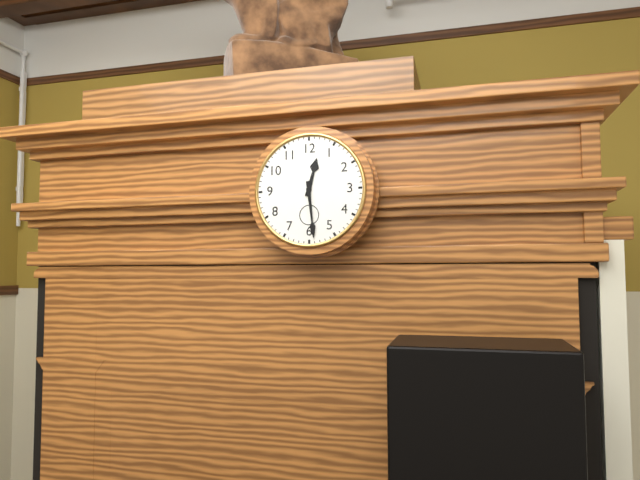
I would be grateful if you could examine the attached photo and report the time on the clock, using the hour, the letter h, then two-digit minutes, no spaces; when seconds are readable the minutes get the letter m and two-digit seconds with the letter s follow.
12h29
